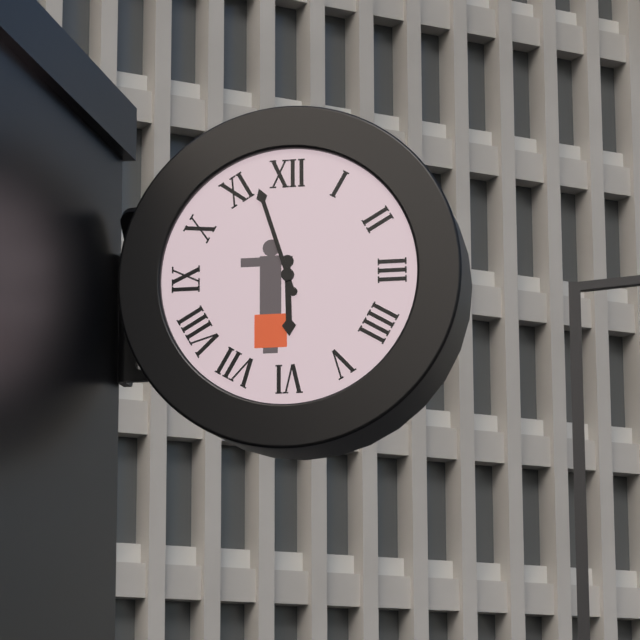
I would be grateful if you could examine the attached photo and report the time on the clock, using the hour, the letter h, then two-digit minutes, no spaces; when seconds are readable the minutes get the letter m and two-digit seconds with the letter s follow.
5h57
